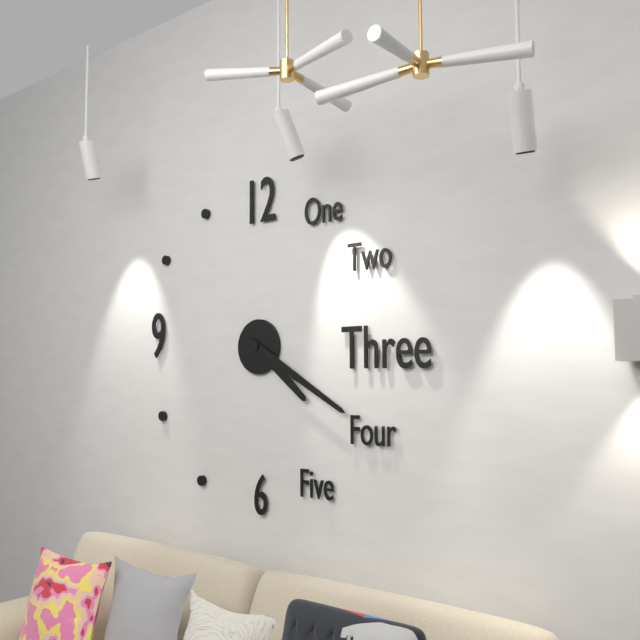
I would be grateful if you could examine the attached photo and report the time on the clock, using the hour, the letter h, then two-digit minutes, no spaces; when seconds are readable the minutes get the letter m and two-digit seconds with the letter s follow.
4h20
